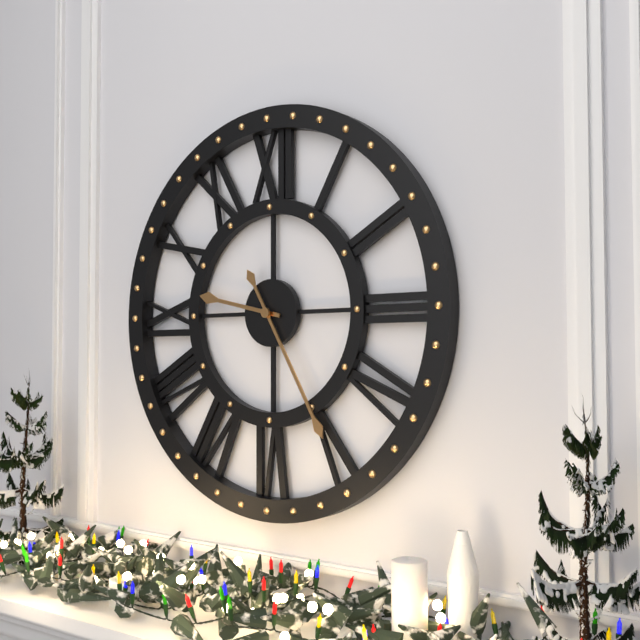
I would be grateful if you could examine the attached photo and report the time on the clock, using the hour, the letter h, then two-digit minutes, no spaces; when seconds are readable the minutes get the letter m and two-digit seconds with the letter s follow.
9h25
